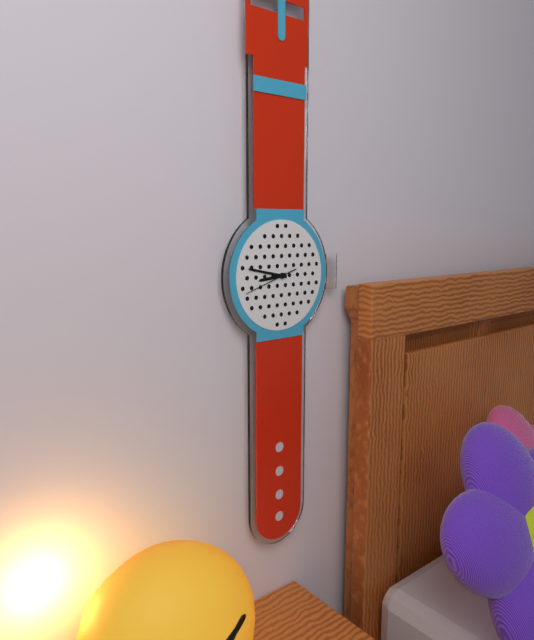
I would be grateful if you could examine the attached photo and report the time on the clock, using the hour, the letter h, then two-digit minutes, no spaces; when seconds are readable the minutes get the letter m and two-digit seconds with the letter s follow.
8h47
